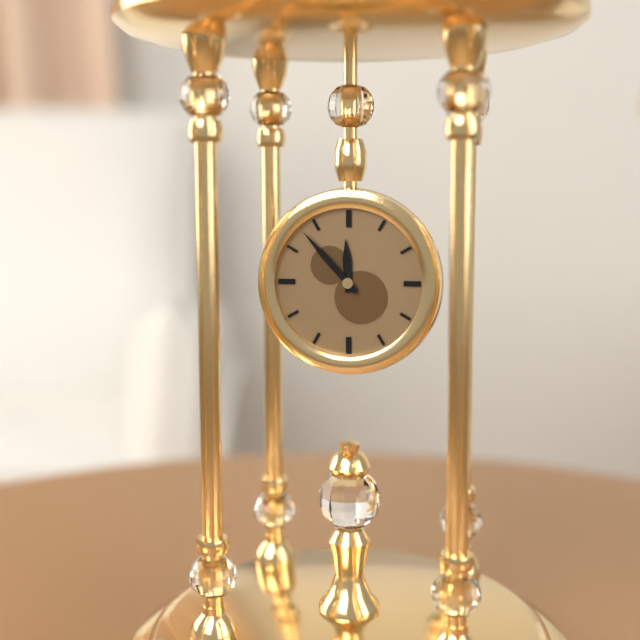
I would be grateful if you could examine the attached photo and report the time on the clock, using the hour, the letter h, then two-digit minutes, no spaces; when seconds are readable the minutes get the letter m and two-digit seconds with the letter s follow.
11h53
